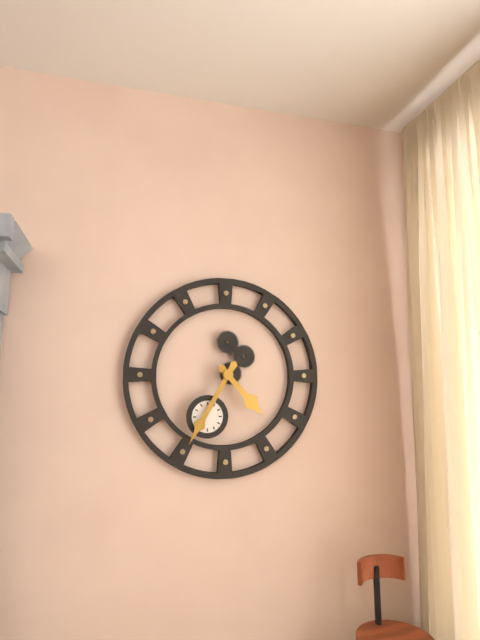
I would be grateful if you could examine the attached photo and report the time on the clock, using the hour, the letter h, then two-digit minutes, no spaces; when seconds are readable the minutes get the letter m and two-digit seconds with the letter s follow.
4h35
